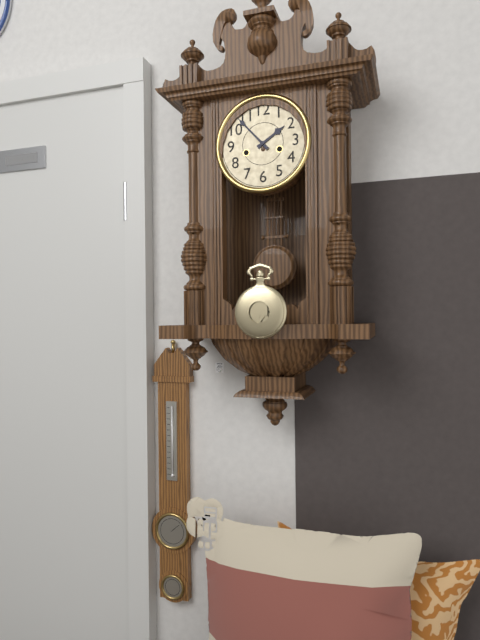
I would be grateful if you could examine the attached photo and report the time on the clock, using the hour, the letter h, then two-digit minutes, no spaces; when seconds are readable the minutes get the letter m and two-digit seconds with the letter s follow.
1h53
